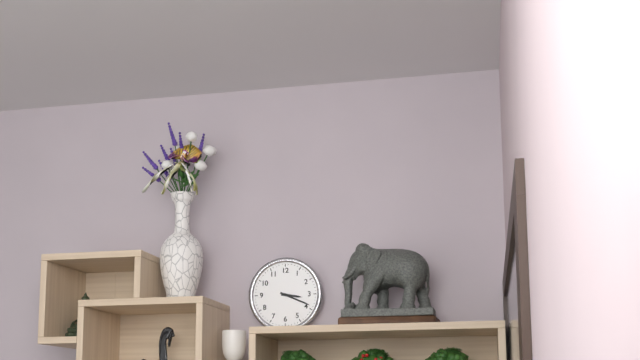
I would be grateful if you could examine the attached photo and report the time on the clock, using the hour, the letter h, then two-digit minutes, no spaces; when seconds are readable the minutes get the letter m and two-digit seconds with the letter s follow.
3h19
